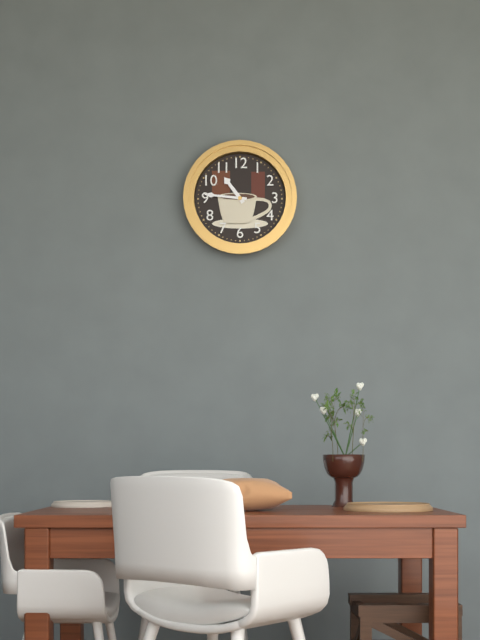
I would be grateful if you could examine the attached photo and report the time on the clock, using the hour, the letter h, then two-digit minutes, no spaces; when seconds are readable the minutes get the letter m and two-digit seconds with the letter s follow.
10h46
